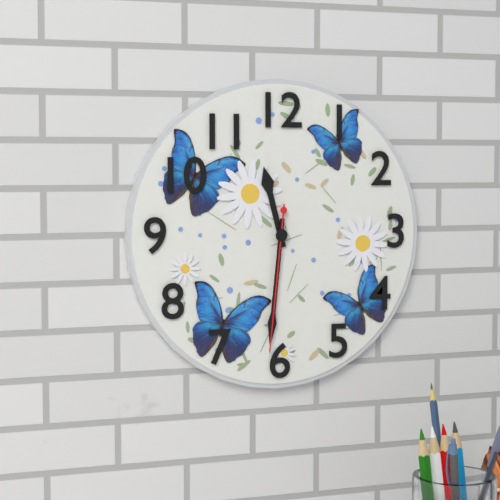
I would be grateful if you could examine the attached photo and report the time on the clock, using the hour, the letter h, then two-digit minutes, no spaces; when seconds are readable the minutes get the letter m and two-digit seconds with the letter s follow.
11h31m31s
